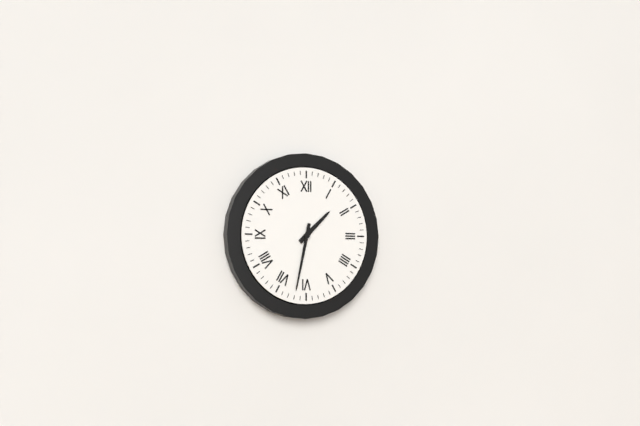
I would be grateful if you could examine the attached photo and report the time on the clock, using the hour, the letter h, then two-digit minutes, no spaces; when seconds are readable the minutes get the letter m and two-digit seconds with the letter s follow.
1h32
